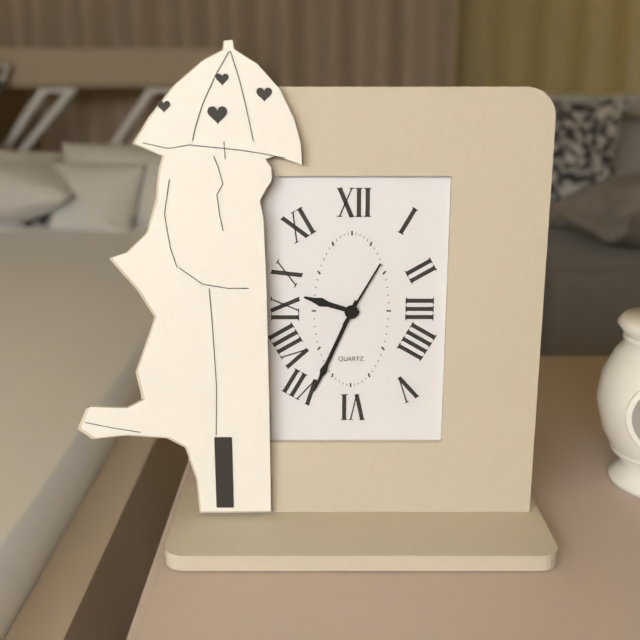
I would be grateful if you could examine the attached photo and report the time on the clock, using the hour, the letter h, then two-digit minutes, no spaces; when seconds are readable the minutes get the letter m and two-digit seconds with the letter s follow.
9h34m05s
